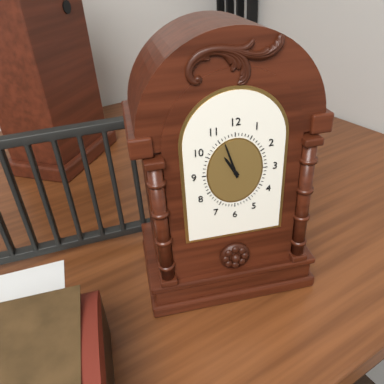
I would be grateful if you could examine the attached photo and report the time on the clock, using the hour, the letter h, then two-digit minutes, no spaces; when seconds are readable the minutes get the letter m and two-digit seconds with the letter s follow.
10h57
